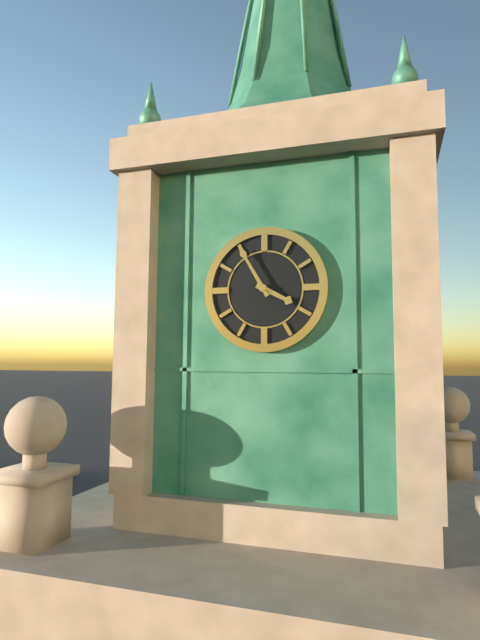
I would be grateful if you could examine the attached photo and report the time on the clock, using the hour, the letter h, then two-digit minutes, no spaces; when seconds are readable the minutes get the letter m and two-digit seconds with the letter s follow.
3h55
